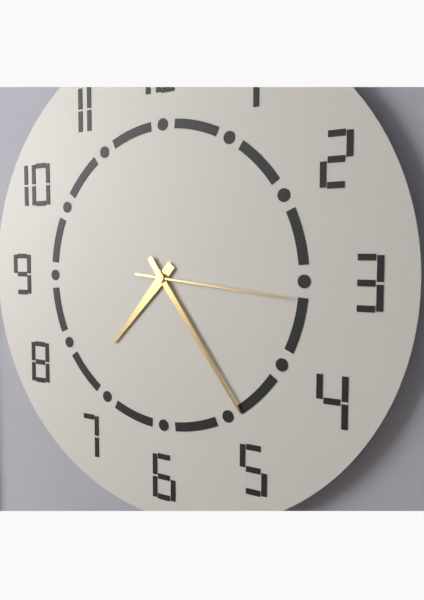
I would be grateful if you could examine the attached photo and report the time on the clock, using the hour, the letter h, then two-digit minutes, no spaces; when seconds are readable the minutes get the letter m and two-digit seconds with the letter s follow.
7h24m16s
